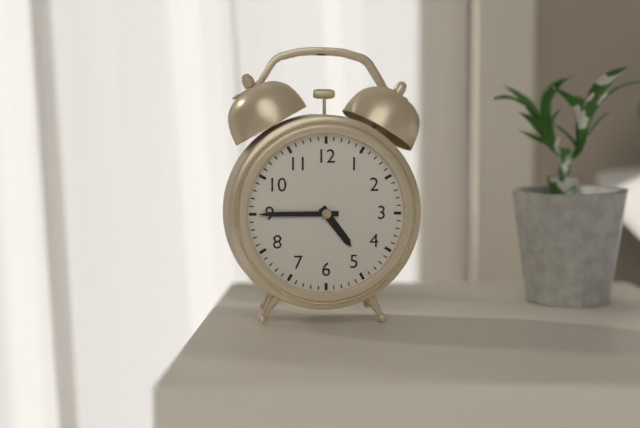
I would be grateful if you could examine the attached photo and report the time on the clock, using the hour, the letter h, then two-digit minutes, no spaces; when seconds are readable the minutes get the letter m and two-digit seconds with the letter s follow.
4h45
